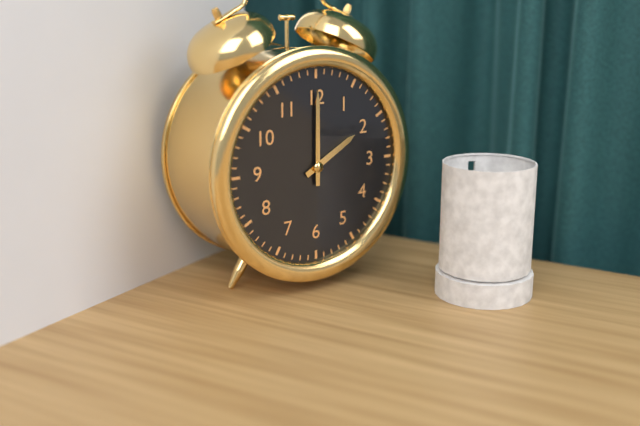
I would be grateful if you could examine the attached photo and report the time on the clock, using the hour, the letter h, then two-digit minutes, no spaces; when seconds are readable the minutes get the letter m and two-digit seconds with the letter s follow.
2h00
